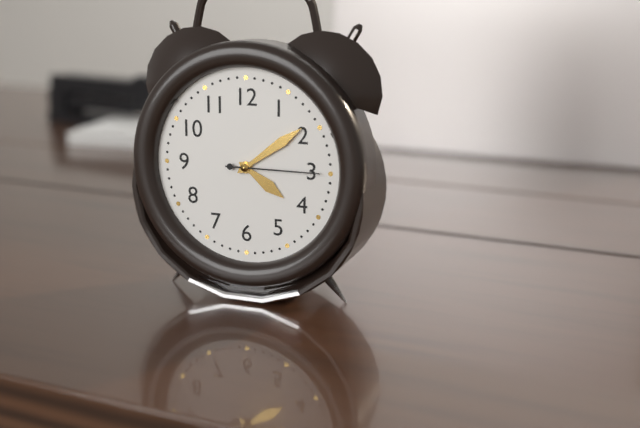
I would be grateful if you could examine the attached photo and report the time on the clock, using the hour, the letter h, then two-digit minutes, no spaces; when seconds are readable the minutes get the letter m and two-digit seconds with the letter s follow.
4h09m15s
